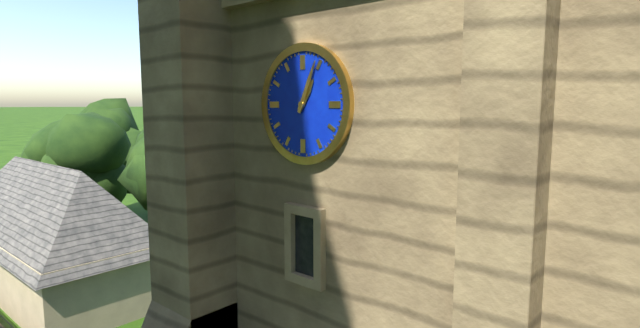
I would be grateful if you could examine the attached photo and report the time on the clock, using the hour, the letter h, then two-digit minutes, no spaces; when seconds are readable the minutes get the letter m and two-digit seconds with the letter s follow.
1h04
